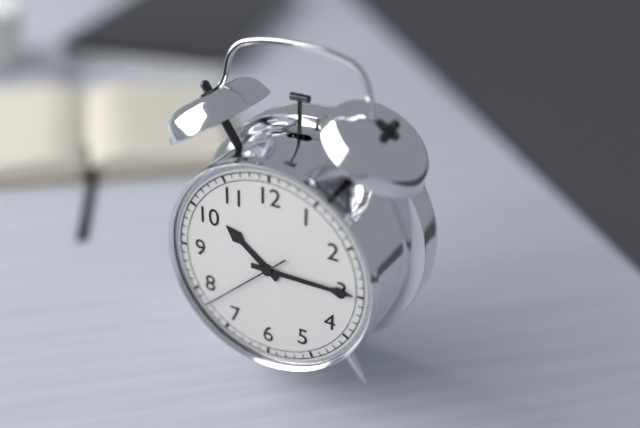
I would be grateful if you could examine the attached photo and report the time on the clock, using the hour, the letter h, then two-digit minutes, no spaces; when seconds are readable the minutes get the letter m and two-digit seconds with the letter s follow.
10h15m38s
